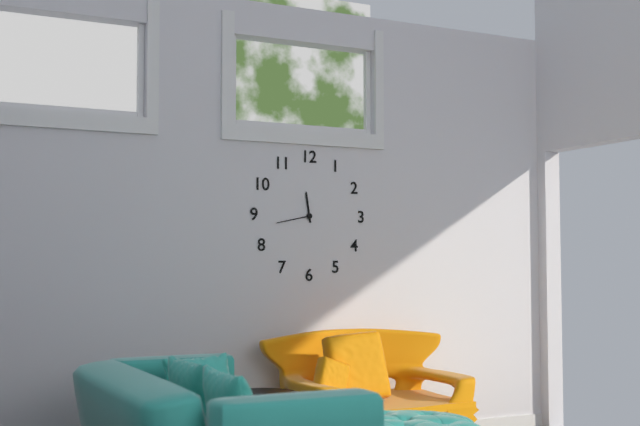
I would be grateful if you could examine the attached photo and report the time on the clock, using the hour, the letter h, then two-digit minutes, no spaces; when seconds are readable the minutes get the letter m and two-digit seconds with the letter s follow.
11h43
